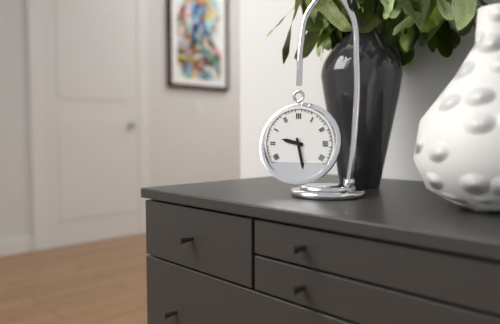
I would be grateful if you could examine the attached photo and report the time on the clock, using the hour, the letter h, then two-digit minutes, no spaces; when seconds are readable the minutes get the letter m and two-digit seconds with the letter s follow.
9h28
